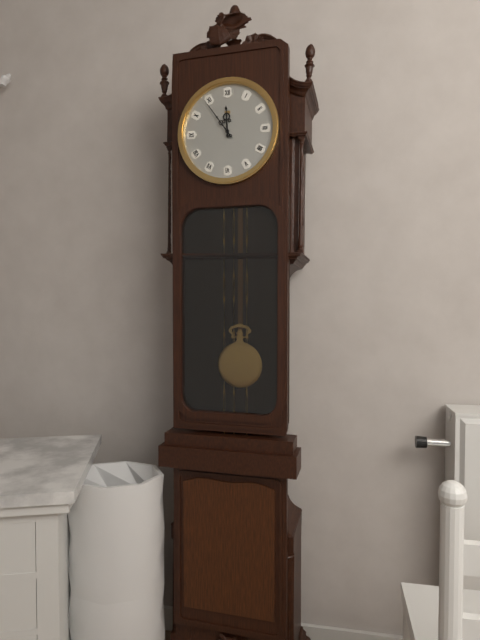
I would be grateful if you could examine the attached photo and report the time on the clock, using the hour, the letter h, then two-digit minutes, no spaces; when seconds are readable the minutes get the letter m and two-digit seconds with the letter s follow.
11h54
